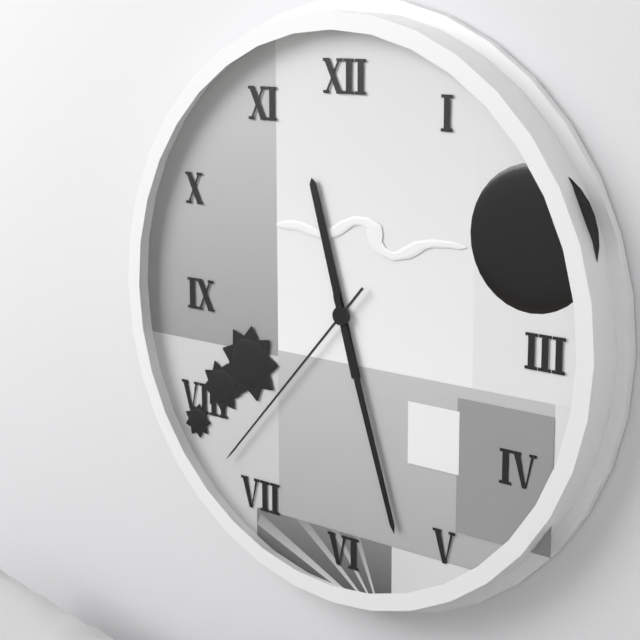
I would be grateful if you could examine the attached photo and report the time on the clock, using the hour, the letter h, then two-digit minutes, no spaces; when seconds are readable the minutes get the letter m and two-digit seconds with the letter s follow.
11h27m37s
